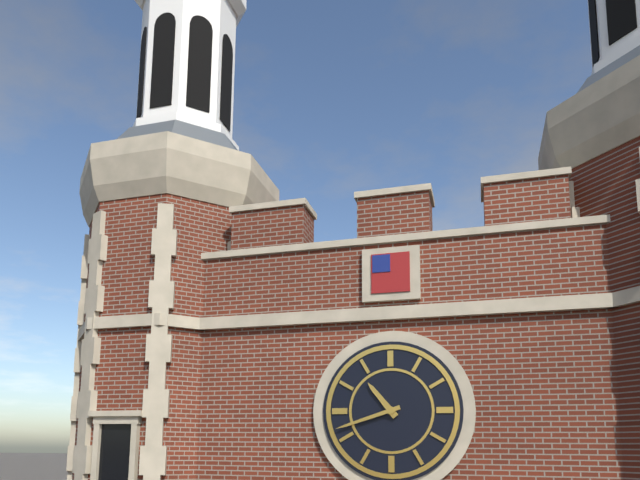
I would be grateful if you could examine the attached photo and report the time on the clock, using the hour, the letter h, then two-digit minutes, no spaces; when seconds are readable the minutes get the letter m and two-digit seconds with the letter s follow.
10h42
